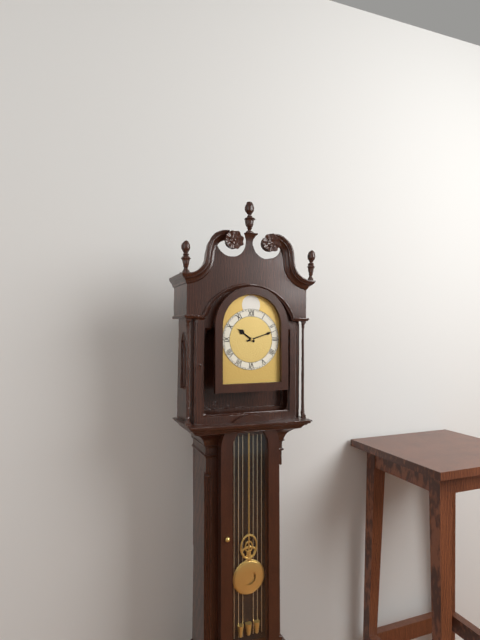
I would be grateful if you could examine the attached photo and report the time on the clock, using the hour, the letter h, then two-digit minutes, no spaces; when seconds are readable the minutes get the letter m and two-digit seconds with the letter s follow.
10h12
